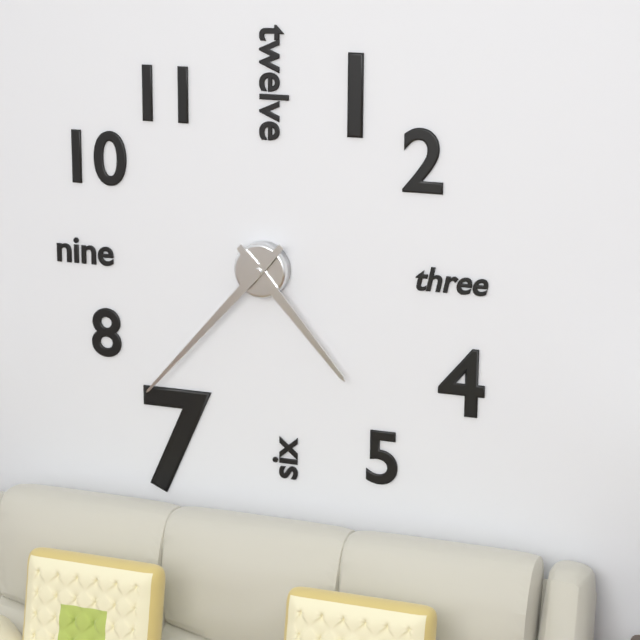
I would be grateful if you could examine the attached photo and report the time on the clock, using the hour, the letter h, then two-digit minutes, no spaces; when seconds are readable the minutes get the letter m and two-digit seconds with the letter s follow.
4h37
